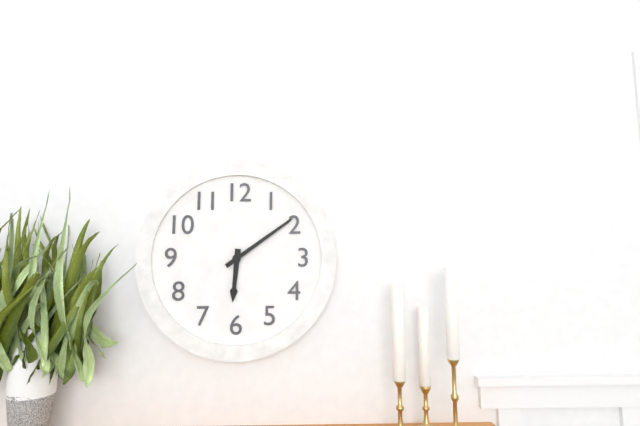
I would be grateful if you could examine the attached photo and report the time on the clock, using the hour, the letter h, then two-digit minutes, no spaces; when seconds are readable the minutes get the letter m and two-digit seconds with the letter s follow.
6h09
